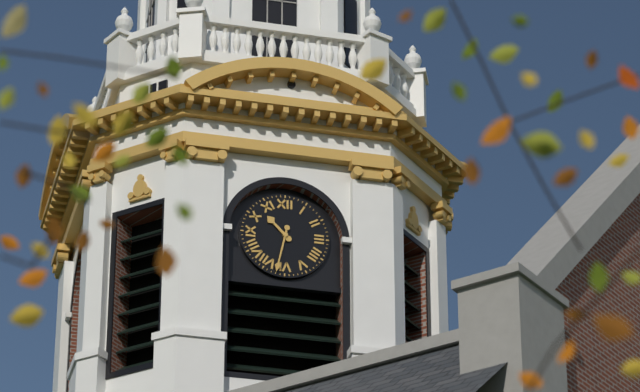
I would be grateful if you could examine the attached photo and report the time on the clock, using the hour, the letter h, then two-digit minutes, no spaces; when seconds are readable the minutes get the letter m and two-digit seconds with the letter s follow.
10h32
